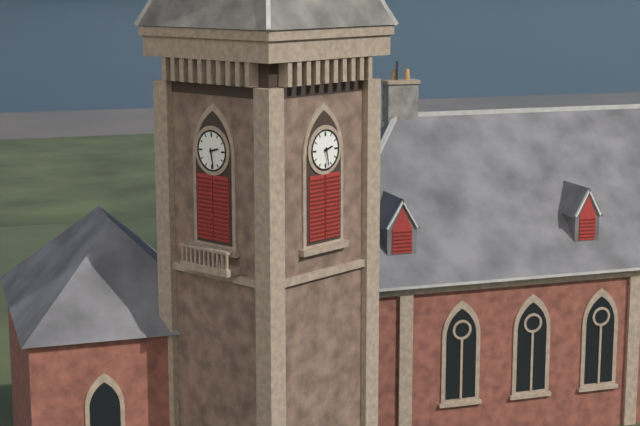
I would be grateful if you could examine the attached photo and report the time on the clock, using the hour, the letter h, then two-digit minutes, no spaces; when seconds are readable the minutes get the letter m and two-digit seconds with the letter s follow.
2h28
